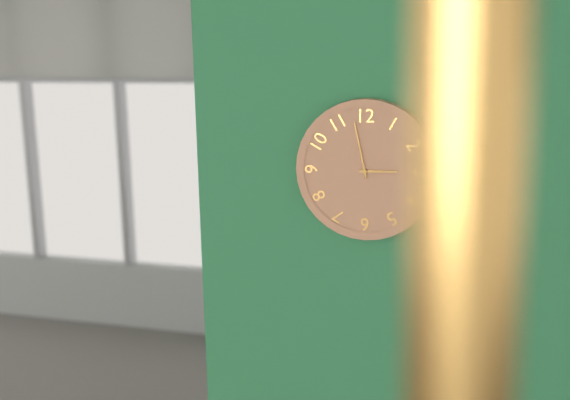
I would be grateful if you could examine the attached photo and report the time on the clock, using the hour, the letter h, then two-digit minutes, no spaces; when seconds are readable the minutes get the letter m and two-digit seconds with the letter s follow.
2h58
